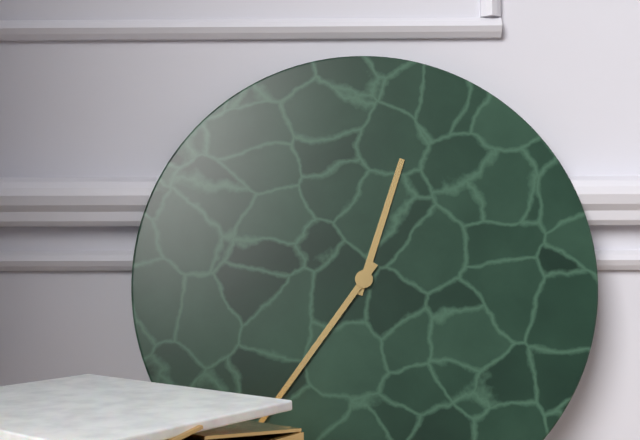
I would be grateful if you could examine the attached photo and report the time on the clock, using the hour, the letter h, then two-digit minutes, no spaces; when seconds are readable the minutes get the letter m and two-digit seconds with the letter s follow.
12h36
